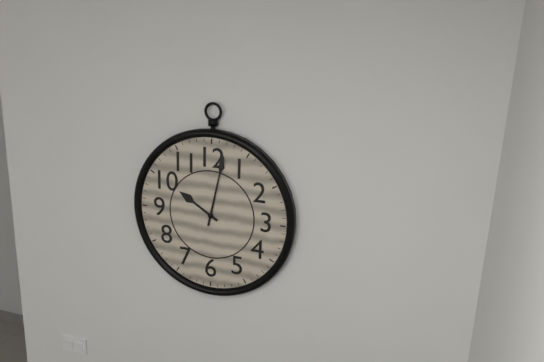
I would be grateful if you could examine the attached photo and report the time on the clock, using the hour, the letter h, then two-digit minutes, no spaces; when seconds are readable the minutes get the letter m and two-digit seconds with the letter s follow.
10h02
